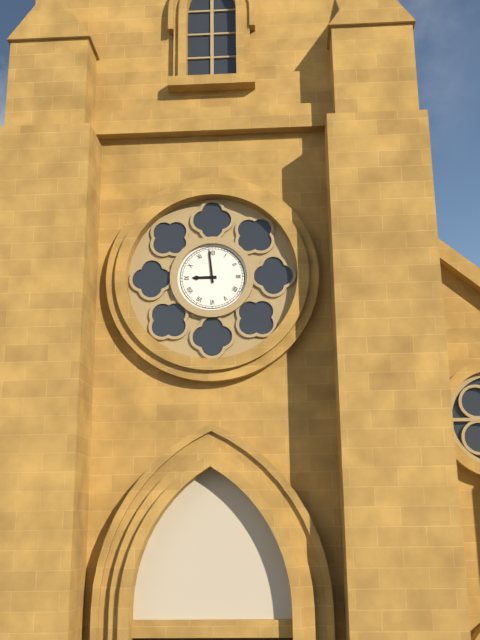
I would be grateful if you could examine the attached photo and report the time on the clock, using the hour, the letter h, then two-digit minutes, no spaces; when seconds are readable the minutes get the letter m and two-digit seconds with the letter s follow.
8h59
